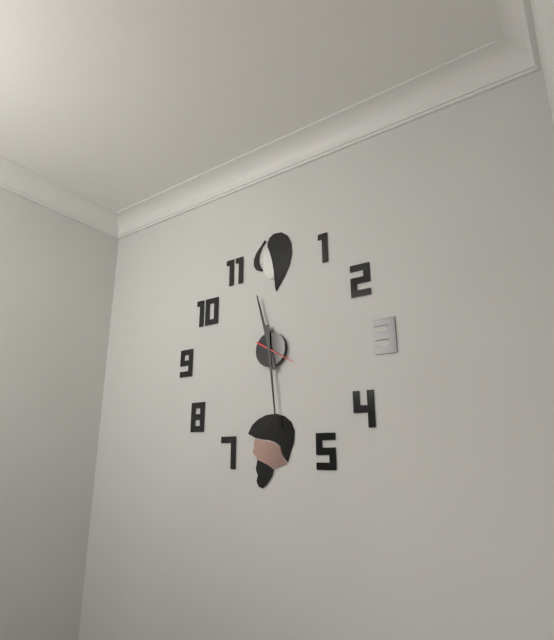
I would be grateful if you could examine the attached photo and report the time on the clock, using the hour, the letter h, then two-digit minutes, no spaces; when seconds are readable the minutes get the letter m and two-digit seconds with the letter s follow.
11h29
